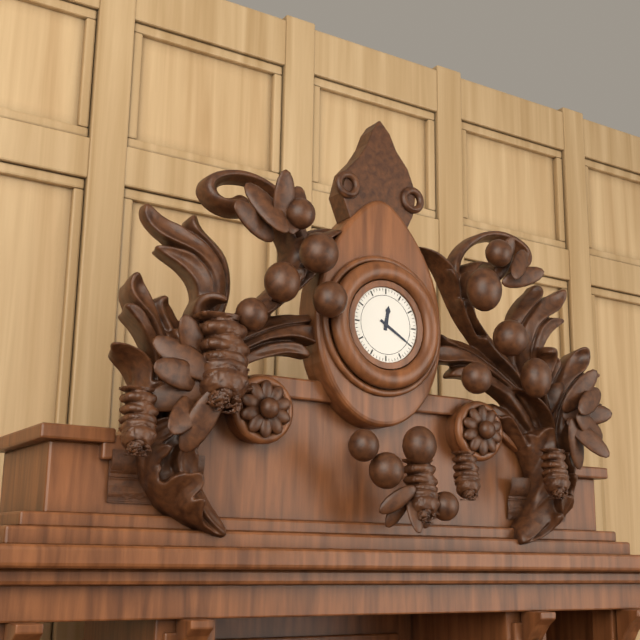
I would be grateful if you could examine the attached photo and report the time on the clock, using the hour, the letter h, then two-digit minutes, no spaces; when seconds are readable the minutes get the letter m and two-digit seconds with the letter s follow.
12h20
